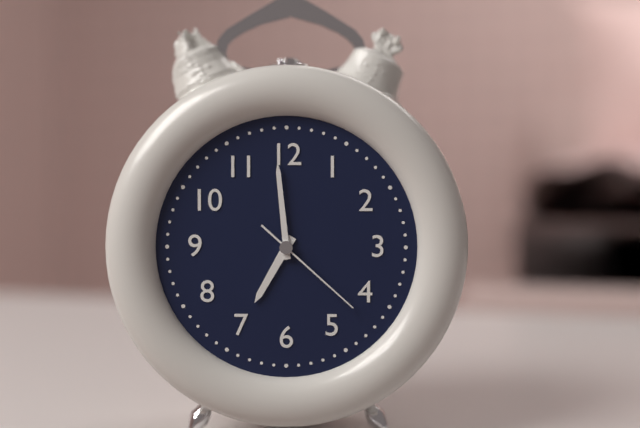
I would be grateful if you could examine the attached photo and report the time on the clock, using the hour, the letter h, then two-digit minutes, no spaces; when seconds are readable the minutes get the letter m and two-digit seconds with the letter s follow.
6h59m22s
